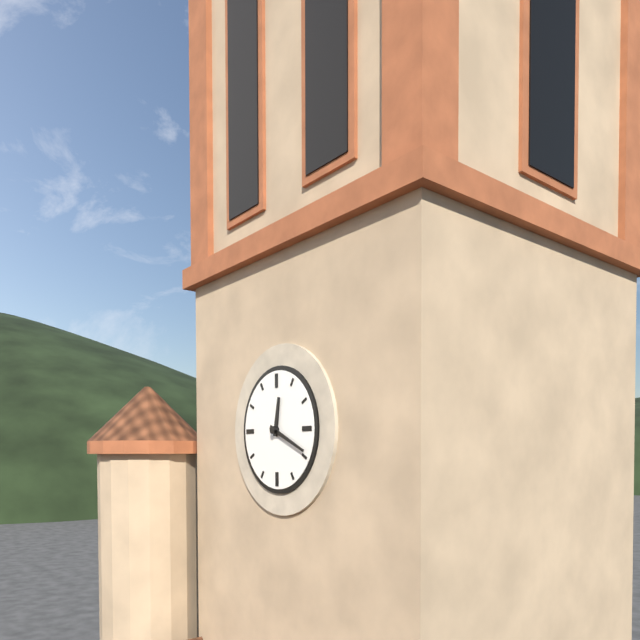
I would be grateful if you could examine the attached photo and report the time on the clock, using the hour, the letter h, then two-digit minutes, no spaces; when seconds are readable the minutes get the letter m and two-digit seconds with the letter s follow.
12h19
